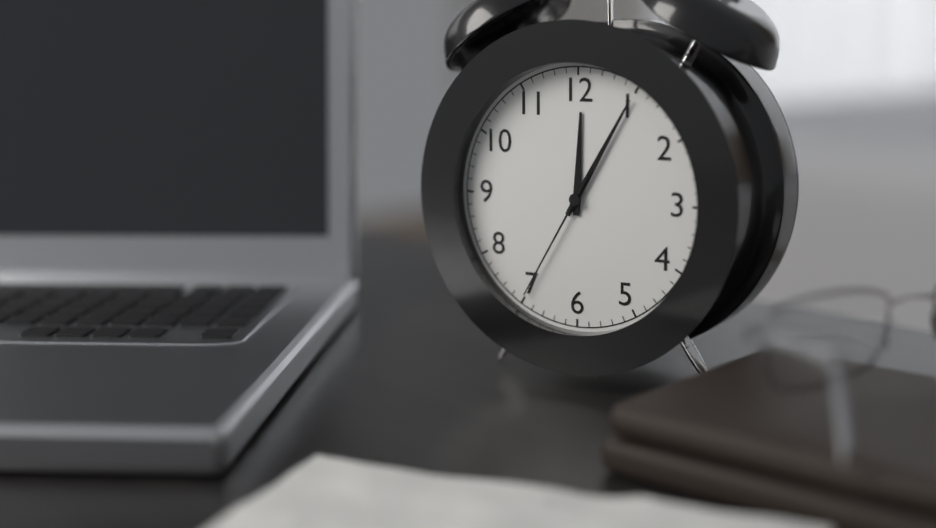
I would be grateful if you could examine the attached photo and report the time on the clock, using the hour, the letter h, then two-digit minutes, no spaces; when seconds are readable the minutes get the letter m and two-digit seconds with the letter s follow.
12h05m35s
